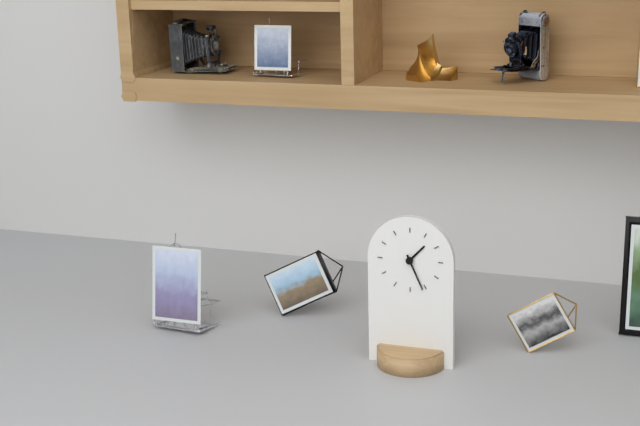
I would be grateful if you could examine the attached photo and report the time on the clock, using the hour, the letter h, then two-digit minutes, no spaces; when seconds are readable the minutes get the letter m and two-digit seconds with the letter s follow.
1h26
